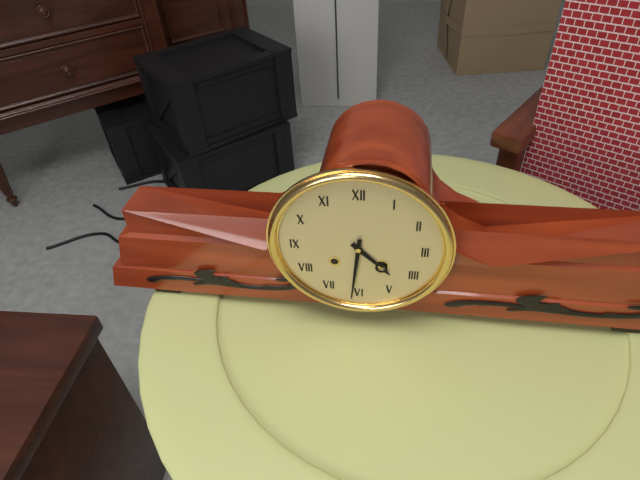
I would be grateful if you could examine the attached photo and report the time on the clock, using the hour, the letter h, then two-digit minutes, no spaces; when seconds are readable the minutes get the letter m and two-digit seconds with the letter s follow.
4h31
